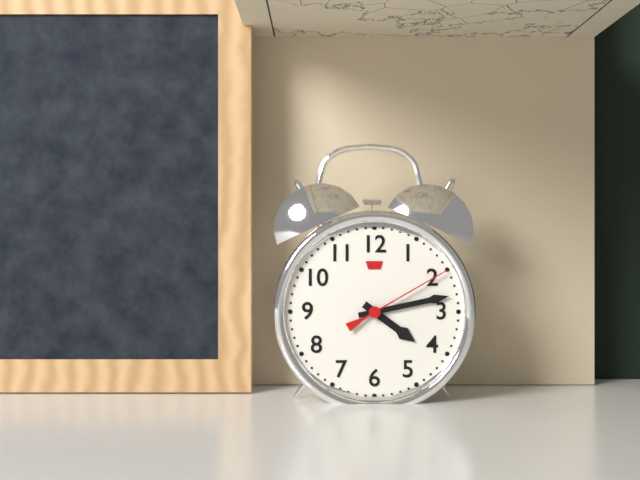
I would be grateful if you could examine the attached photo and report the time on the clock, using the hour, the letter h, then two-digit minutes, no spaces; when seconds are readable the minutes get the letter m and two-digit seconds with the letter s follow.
4h13m10s
